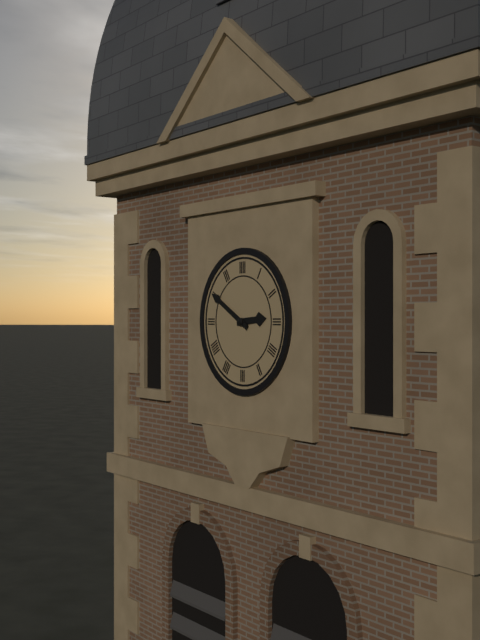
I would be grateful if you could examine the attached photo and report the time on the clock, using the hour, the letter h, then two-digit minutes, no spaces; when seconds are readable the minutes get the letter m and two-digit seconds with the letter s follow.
2h50
